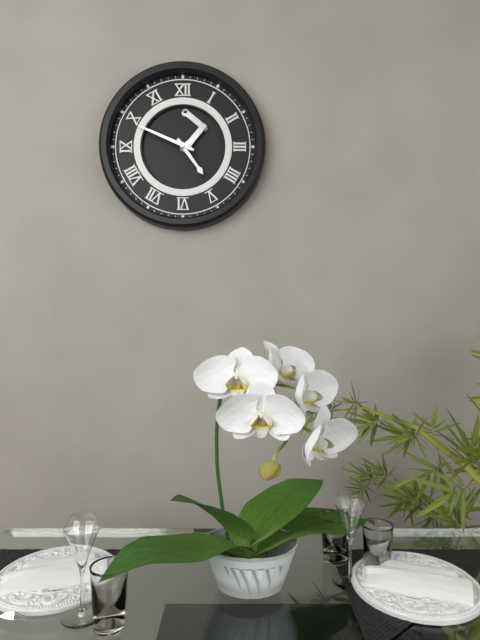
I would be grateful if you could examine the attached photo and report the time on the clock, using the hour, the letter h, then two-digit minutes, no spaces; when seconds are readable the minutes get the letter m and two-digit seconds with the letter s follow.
4h49
